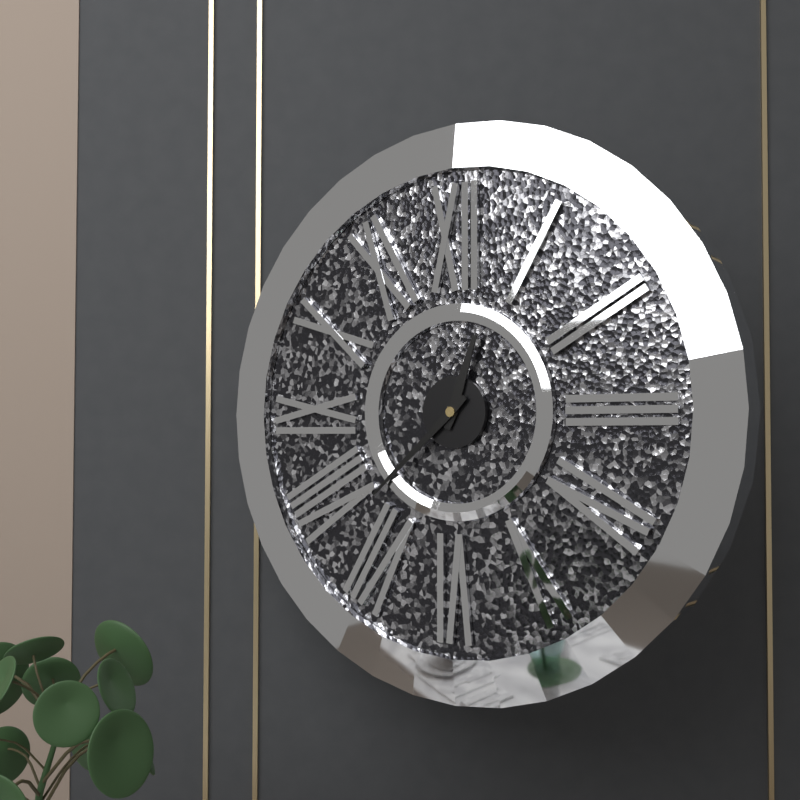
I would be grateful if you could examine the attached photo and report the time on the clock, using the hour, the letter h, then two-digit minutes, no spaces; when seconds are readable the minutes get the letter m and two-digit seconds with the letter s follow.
12h38
